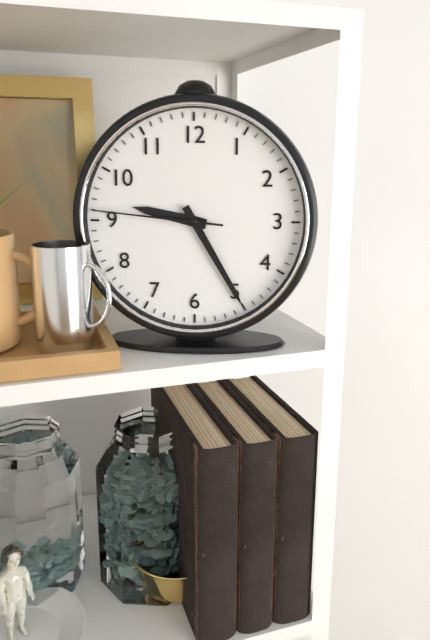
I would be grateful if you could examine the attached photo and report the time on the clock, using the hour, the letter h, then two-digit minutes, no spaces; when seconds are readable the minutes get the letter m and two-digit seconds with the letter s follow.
9h25m46s
